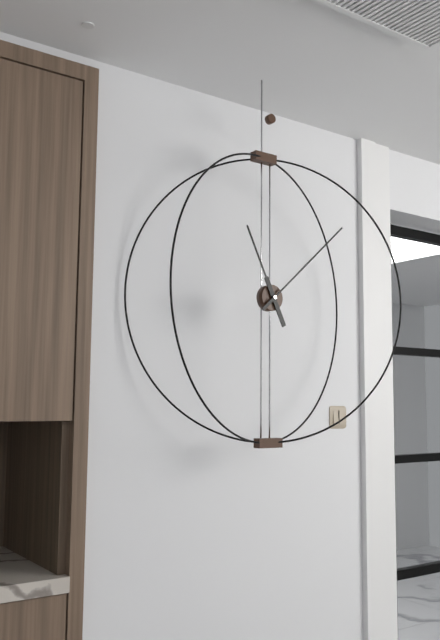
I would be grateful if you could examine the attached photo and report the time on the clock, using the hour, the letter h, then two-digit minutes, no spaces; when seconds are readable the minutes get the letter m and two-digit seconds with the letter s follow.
11h08
